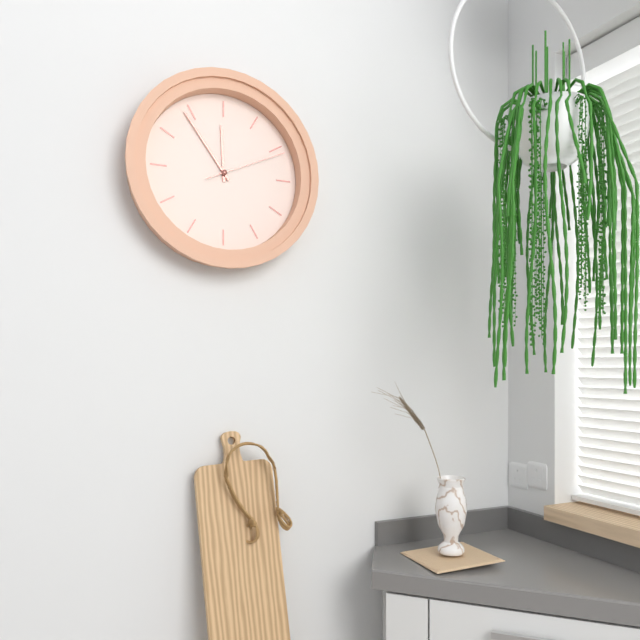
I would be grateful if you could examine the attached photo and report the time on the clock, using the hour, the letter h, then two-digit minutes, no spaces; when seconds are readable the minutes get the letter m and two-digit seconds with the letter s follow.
11h54m11s
